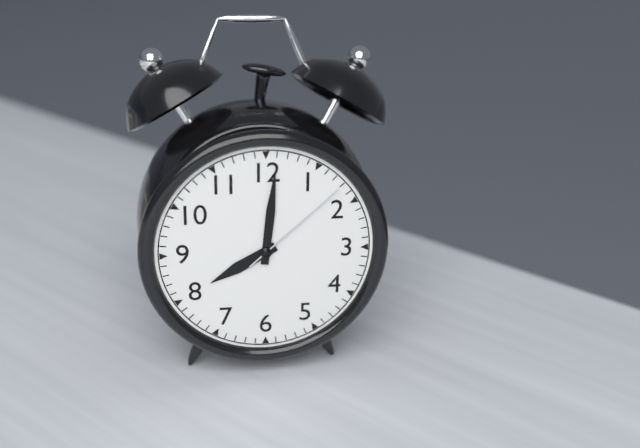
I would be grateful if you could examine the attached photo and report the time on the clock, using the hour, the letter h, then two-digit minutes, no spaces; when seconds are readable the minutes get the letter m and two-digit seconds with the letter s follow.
8h01m08s
